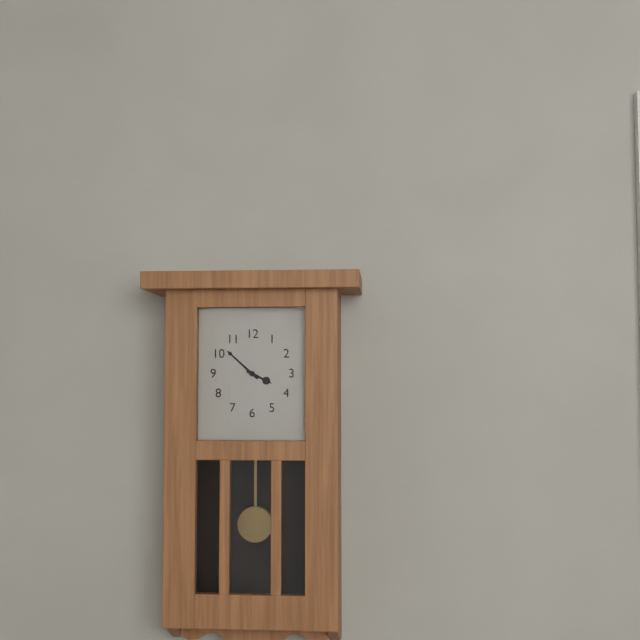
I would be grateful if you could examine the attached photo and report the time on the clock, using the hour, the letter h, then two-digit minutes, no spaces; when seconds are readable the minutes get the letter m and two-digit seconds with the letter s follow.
3h52
